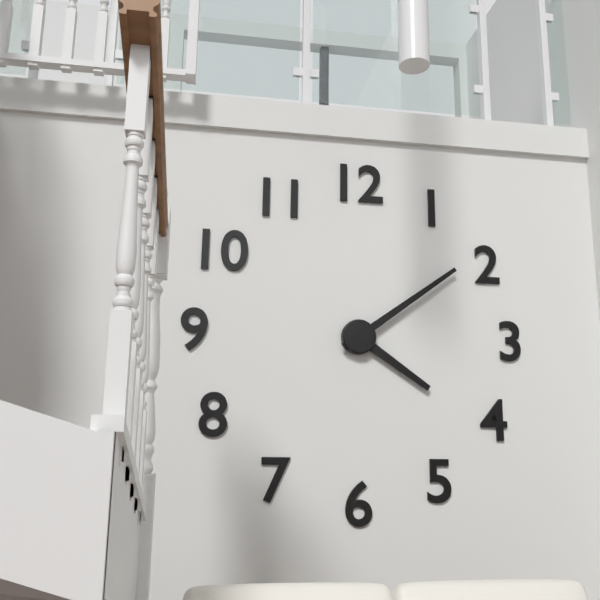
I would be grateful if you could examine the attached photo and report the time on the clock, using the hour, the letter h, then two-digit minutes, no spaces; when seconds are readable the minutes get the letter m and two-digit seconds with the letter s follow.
4h09
